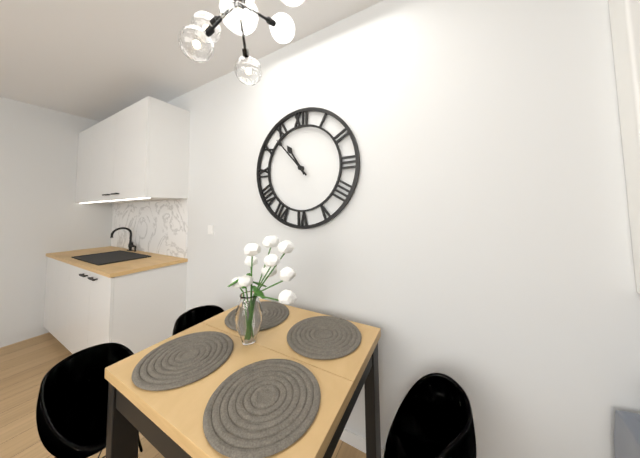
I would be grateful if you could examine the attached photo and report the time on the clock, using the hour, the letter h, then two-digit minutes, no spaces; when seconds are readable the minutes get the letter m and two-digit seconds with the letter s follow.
10h53
